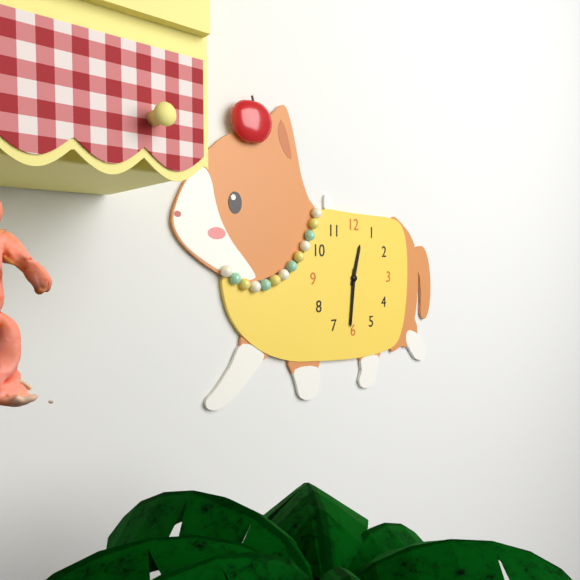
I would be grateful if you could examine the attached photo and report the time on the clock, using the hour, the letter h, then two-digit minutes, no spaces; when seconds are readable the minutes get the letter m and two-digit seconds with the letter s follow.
12h31
